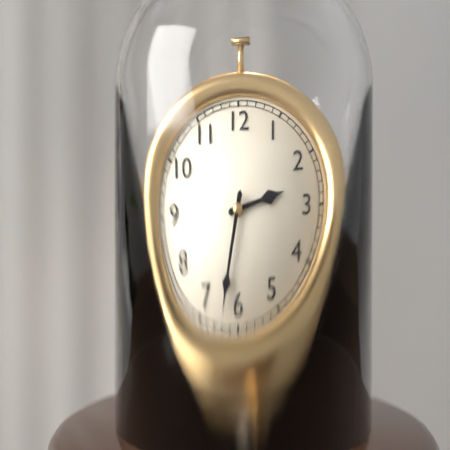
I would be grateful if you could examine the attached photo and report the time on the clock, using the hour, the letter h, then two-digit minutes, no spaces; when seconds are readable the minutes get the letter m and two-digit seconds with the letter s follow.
2h32
